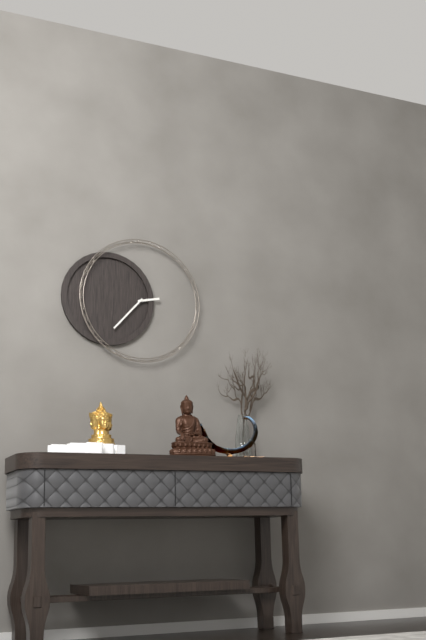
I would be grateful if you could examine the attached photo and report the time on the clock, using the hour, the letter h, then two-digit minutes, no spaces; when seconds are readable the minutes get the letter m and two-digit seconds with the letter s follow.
2h37
